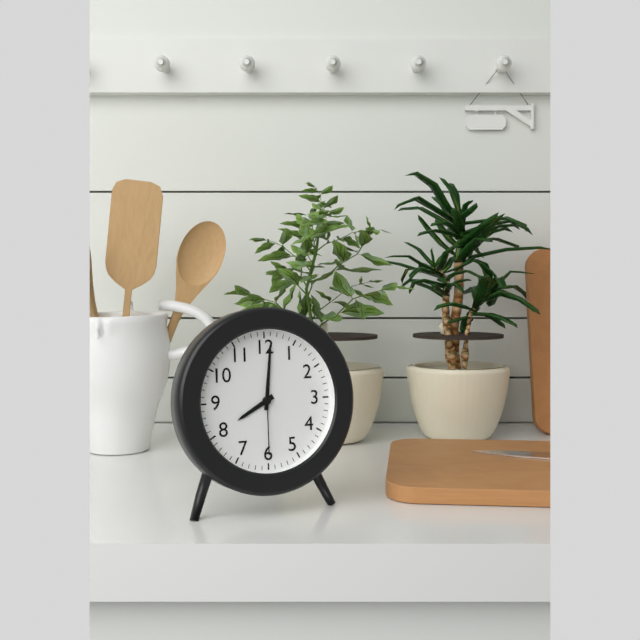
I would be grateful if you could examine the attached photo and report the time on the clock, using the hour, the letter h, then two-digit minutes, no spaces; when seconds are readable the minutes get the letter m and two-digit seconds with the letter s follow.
8h01m30s
